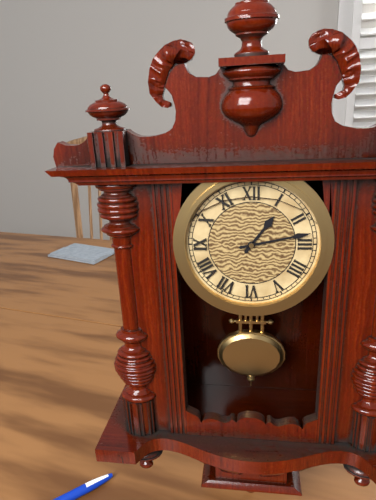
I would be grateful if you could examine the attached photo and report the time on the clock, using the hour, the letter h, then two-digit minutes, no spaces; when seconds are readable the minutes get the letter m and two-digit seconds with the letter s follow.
1h13
